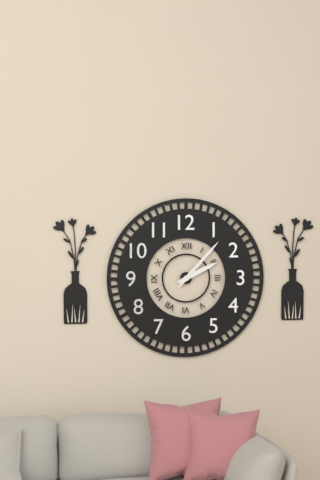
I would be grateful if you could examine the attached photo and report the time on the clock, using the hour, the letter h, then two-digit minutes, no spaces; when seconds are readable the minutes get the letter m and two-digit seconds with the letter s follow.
2h07
